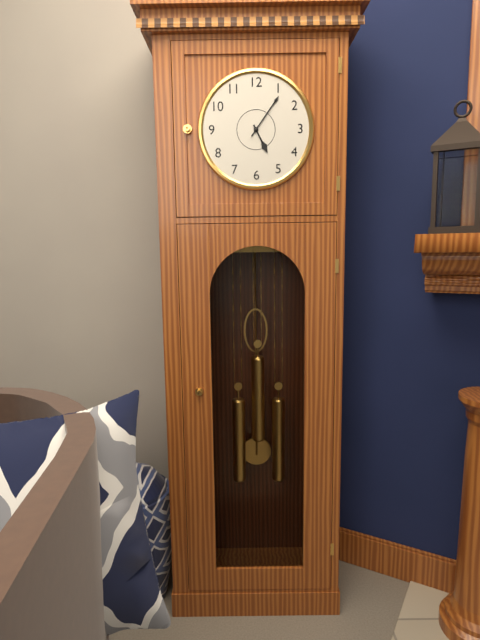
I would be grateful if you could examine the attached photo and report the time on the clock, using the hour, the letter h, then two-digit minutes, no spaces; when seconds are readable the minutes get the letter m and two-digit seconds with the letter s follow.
5h06
